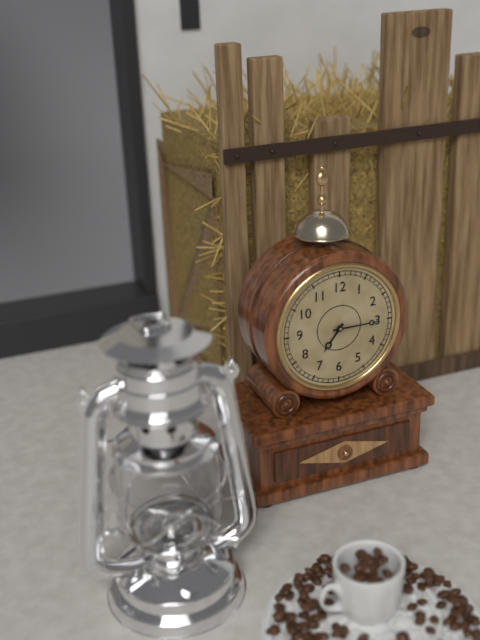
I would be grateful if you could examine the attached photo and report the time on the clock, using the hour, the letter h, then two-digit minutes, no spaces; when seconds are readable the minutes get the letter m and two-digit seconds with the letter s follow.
7h15
